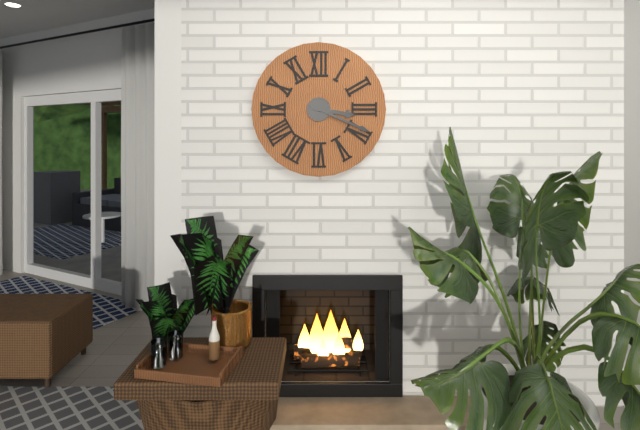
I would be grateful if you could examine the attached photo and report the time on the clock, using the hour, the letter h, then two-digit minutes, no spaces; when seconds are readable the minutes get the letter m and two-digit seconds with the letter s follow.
3h19
